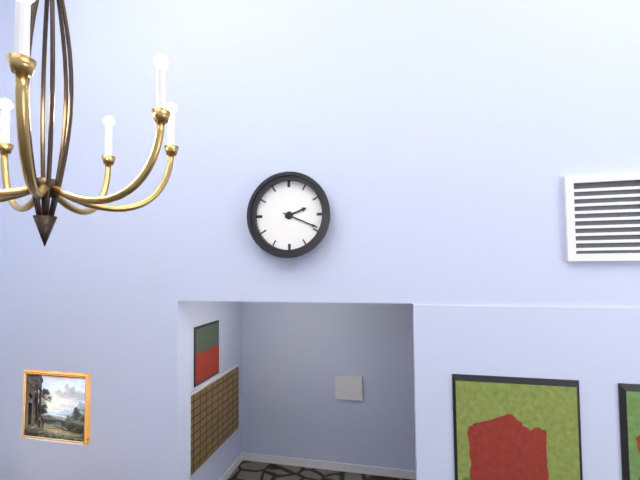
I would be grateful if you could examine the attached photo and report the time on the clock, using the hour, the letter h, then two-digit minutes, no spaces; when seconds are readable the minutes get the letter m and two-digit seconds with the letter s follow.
2h19
